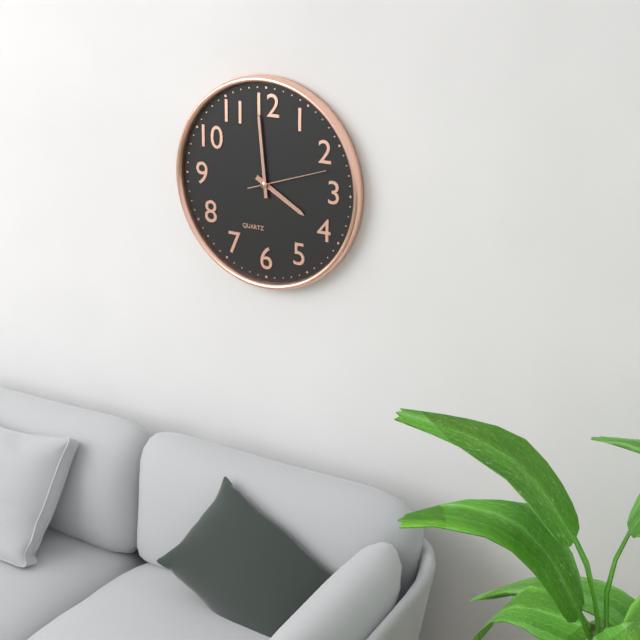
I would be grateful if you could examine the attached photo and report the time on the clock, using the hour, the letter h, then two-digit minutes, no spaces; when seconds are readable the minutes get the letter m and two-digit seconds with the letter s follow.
3h59m12s
